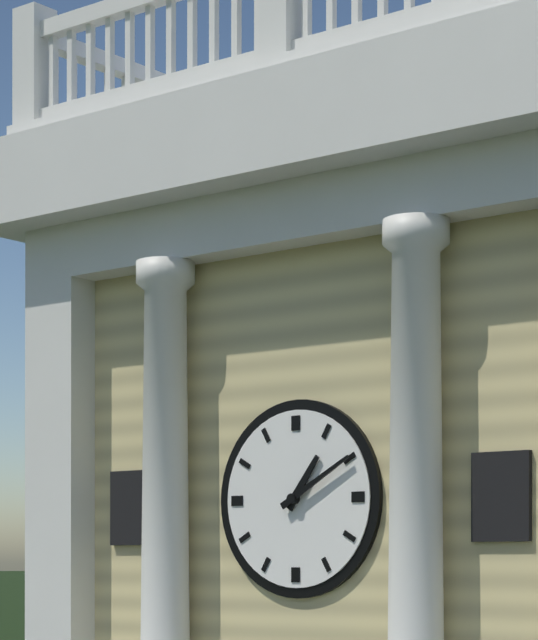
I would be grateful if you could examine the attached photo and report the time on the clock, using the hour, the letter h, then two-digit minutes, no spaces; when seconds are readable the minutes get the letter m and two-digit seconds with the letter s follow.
1h10
